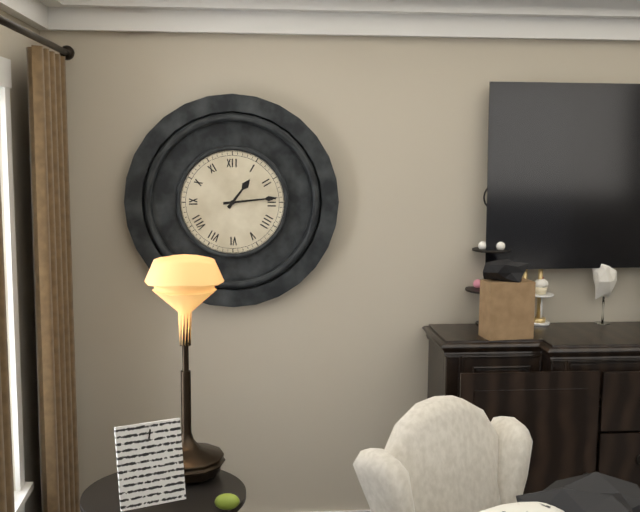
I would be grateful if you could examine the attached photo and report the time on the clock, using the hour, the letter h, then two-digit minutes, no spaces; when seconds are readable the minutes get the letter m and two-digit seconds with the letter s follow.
1h14
